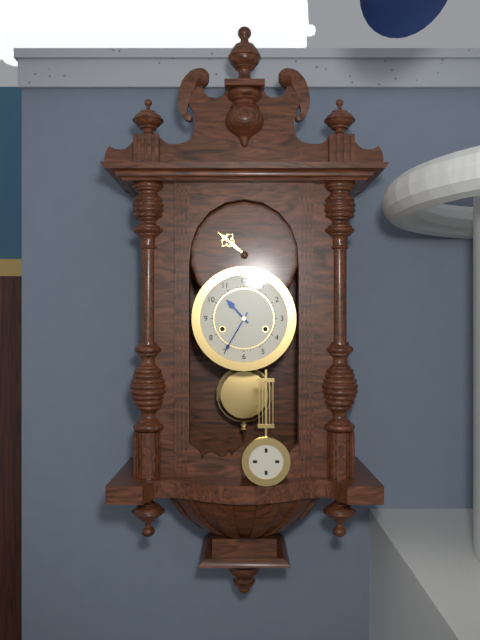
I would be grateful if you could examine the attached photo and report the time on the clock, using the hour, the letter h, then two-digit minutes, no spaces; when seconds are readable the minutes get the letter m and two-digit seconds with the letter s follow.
10h35
